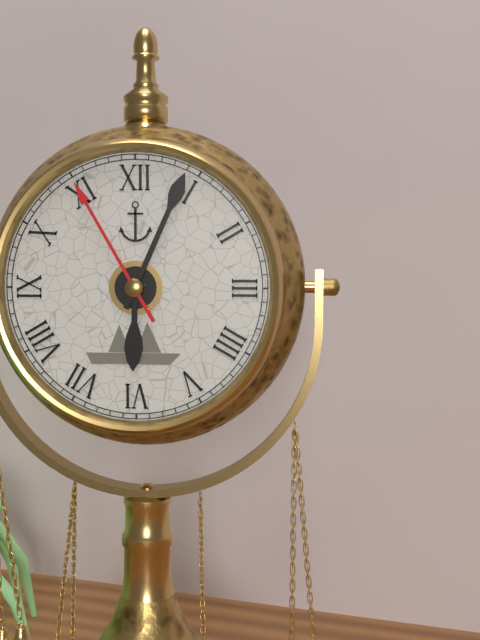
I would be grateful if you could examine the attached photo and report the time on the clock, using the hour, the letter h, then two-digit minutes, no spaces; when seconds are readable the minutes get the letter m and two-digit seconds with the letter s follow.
6h04m55s
